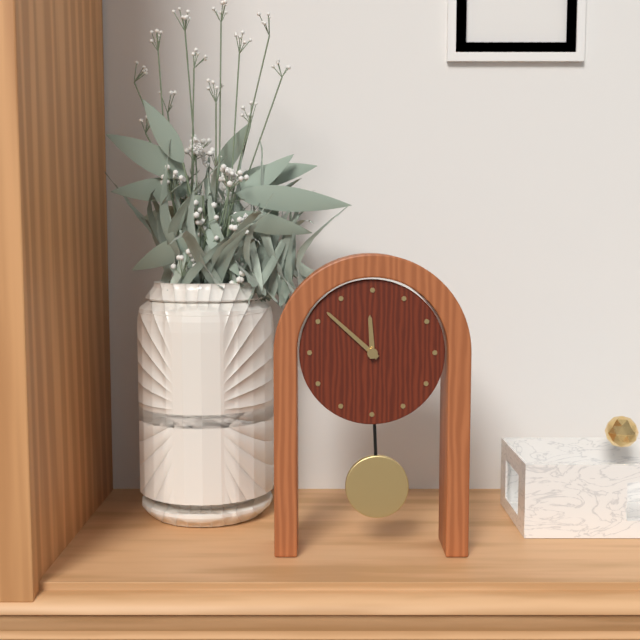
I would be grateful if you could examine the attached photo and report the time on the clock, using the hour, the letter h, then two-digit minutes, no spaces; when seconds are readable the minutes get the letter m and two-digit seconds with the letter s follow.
11h52
